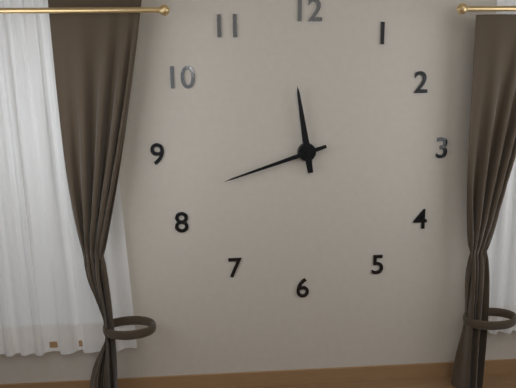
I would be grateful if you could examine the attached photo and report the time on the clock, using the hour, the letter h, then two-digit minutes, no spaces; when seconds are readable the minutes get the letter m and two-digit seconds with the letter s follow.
11h42
